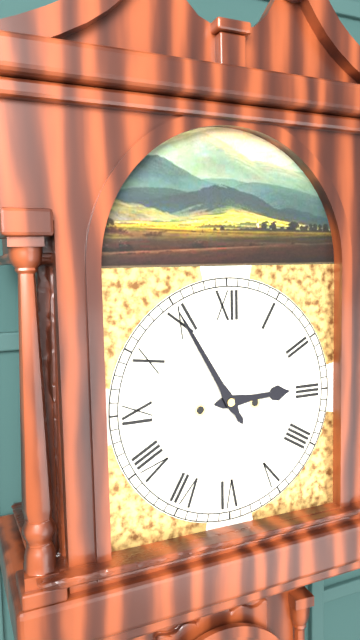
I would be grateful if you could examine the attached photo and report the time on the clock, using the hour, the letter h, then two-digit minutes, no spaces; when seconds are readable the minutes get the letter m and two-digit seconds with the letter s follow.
2h55
